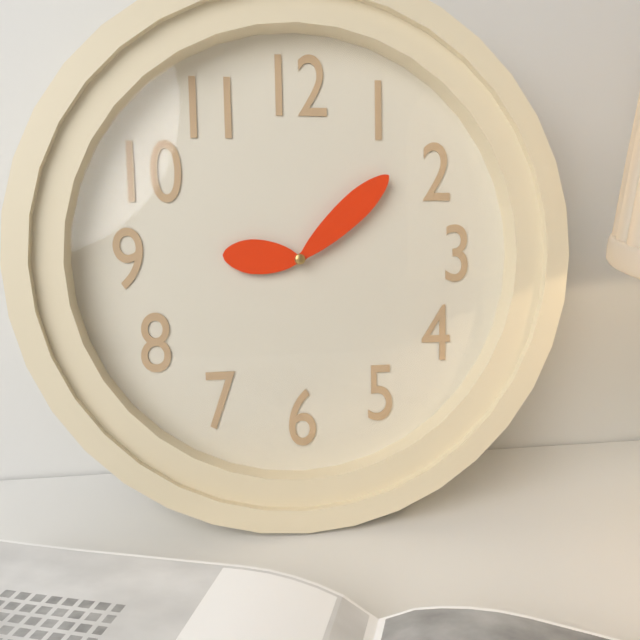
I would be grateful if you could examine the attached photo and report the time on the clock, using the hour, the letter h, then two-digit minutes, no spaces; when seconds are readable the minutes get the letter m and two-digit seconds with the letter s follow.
9h08
